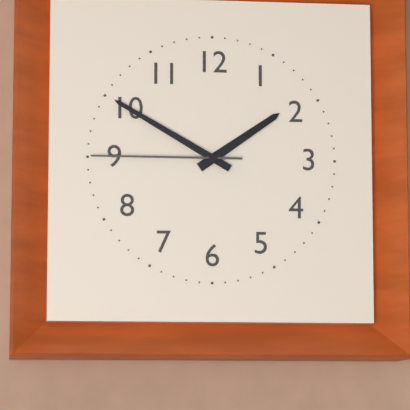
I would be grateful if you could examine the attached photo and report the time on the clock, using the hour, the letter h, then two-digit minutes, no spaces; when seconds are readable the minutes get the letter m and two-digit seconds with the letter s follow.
1h50m45s
